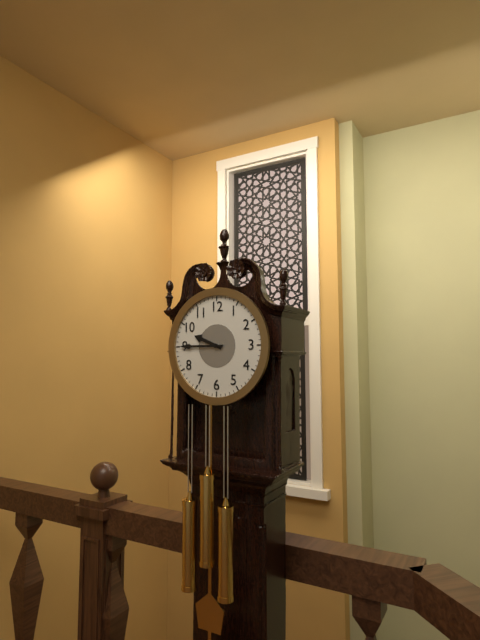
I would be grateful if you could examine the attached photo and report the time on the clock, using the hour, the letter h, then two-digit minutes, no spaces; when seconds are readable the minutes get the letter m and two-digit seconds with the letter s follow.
9h45
